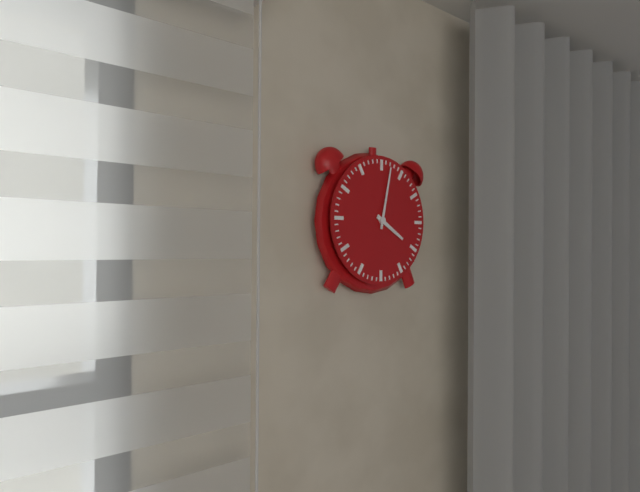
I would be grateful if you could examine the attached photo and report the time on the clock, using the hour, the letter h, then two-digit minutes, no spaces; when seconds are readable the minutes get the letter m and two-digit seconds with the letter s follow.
4h02
